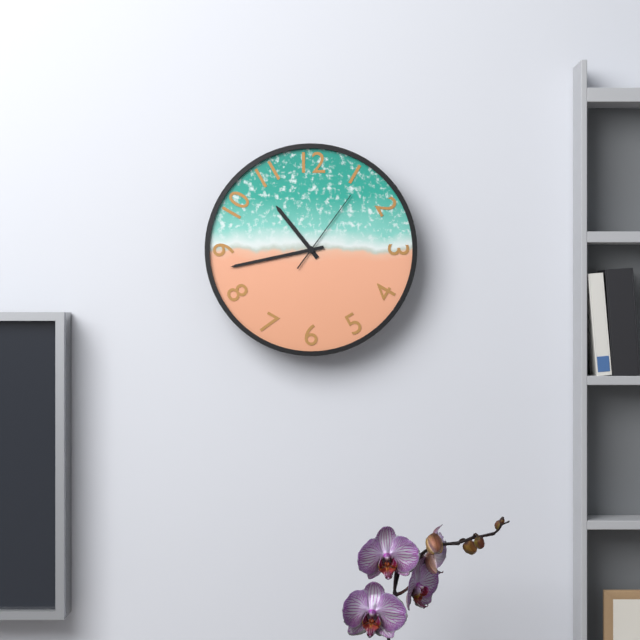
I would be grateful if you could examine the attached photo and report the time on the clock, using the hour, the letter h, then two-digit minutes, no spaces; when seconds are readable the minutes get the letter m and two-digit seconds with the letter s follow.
10h43m06s
